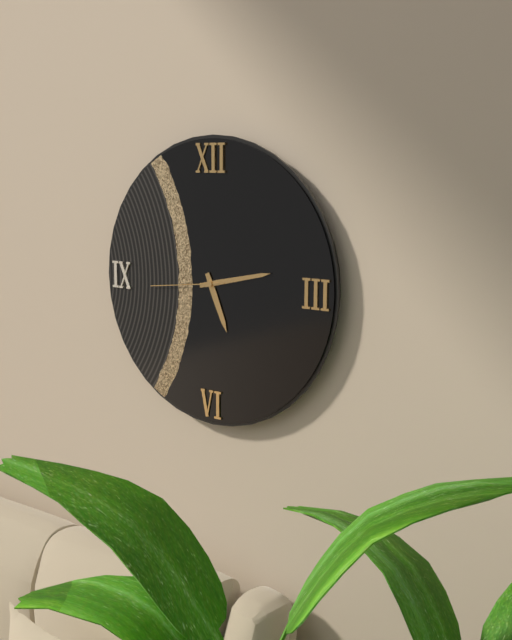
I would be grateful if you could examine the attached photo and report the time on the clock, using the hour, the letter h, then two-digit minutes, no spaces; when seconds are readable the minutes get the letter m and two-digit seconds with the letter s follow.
5h13m44s
